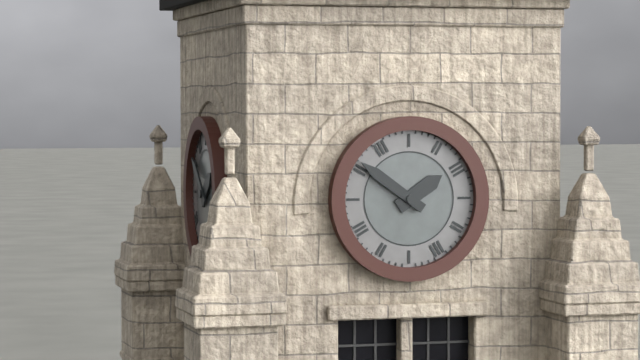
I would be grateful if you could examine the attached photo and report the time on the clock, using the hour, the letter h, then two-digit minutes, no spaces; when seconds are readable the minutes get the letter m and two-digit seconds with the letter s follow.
1h51
